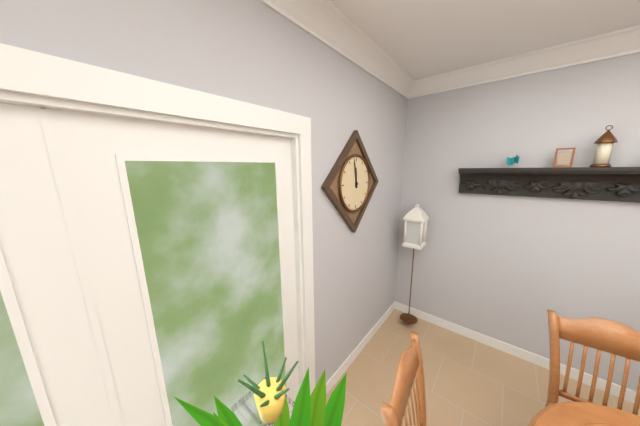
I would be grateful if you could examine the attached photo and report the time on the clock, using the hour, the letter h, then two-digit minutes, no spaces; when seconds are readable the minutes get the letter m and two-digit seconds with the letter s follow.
11h58
